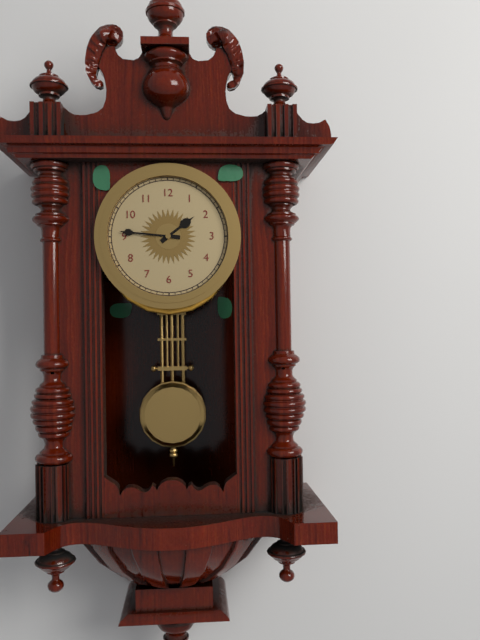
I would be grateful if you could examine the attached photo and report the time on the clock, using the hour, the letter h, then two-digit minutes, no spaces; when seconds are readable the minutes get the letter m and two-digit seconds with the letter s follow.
1h46
